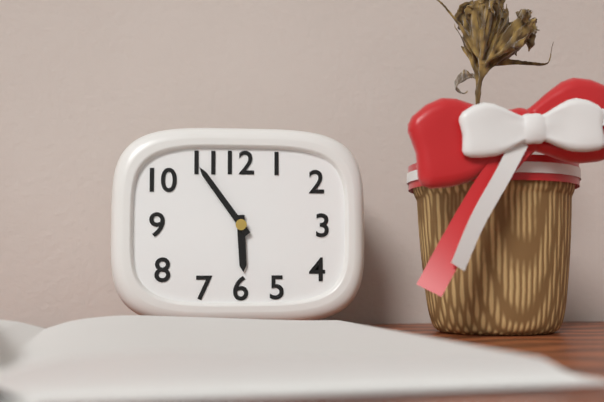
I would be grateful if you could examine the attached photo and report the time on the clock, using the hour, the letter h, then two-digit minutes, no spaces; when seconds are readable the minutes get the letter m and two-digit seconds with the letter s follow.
5h54
